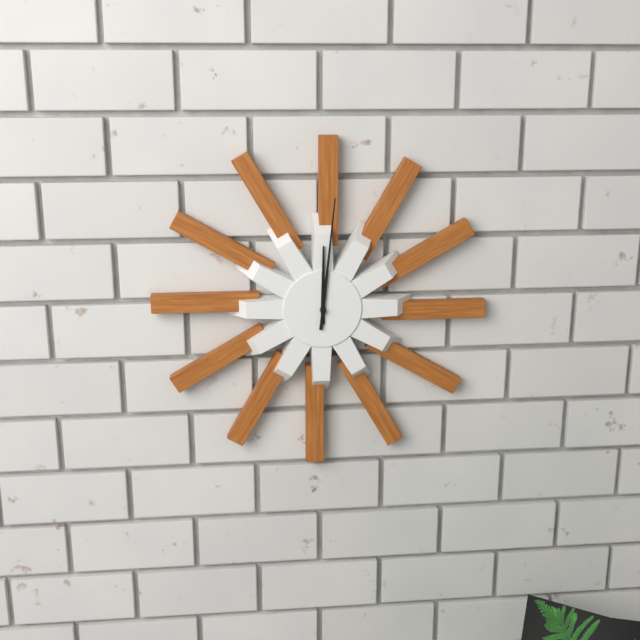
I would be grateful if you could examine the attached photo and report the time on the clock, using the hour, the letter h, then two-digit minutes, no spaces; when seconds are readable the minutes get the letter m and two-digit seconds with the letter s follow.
12h01
